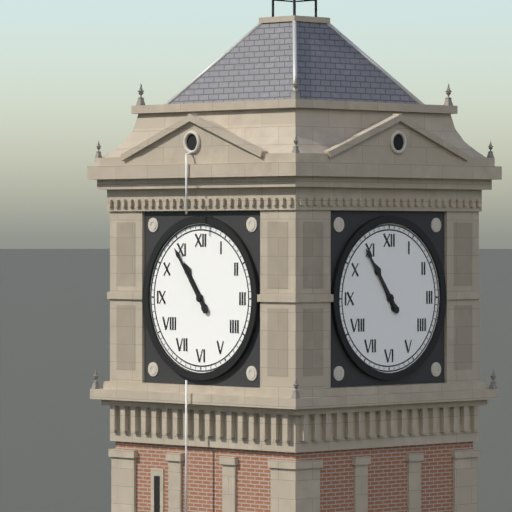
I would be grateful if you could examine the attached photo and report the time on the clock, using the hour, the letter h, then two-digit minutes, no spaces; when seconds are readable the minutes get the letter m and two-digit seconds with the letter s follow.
10h54
